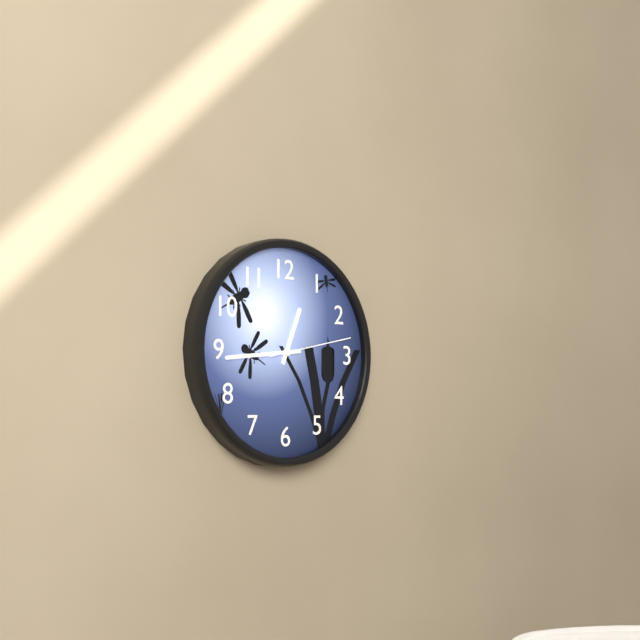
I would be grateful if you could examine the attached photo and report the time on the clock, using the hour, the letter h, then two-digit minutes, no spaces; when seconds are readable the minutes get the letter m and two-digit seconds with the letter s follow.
12h44m13s
